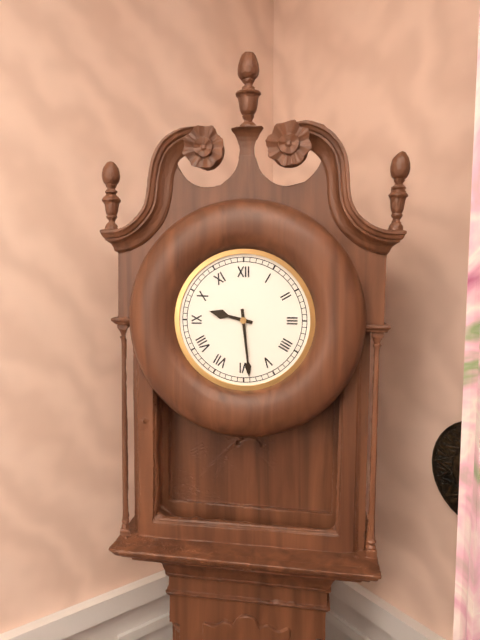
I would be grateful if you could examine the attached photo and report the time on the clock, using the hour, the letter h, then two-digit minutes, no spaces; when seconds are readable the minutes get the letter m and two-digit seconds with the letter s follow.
9h29
